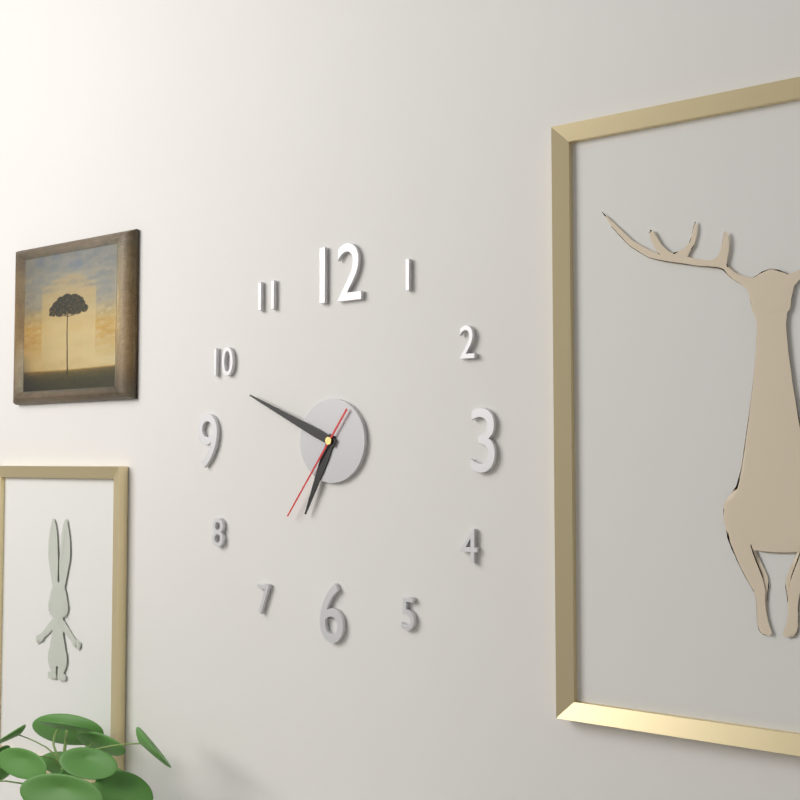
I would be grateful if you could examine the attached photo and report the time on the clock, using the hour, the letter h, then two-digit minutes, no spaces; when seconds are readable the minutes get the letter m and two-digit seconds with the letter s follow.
6h49m36s
